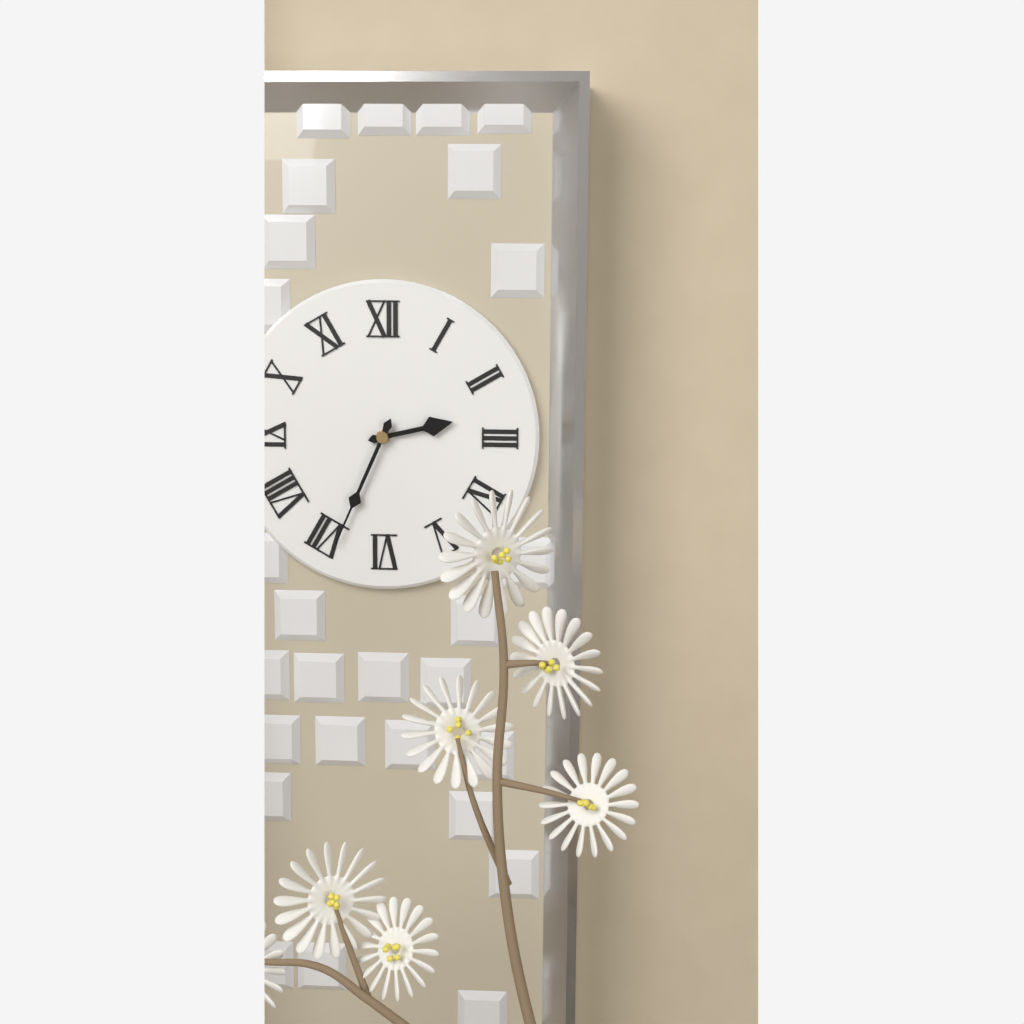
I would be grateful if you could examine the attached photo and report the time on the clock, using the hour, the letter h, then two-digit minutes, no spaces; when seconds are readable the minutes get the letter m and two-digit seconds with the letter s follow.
2h34
